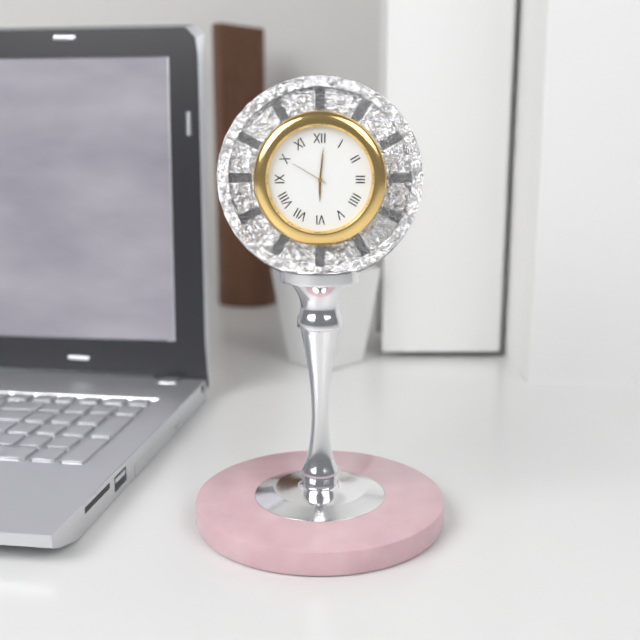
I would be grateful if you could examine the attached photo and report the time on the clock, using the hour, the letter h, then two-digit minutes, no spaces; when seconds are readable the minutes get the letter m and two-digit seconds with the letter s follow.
6h01
